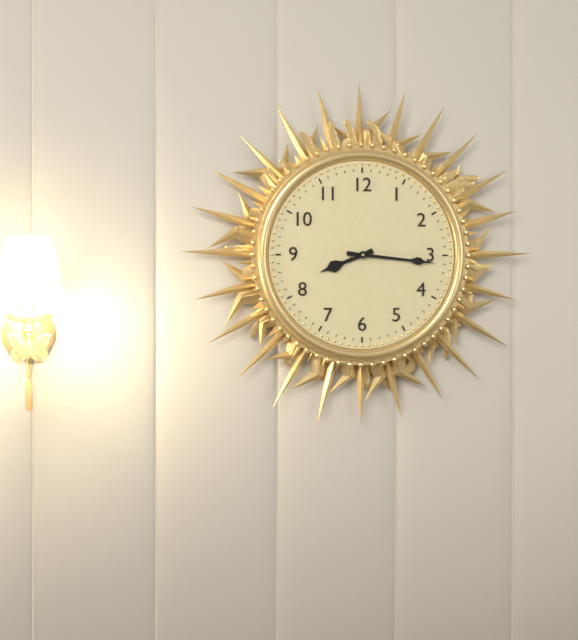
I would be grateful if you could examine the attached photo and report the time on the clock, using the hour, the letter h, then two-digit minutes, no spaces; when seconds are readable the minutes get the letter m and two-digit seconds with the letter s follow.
8h16
